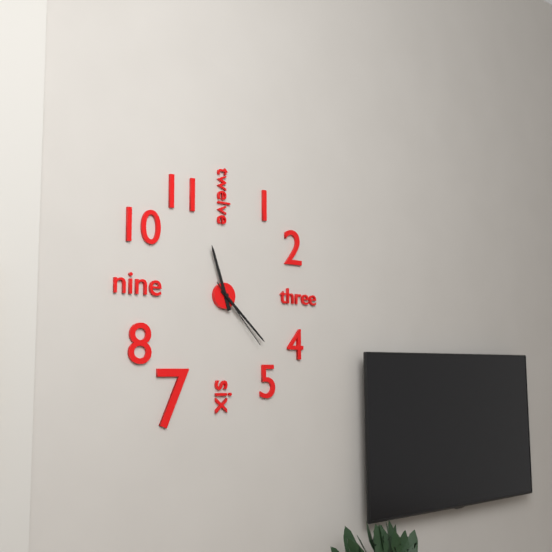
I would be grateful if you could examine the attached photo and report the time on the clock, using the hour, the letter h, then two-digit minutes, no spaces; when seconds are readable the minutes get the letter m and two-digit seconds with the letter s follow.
11h22m23s
